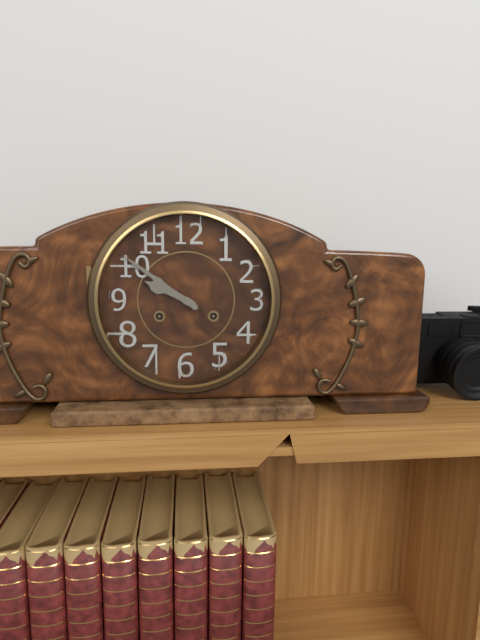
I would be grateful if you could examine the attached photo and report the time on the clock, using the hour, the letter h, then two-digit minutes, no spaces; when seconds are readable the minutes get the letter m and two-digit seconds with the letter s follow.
9h51
